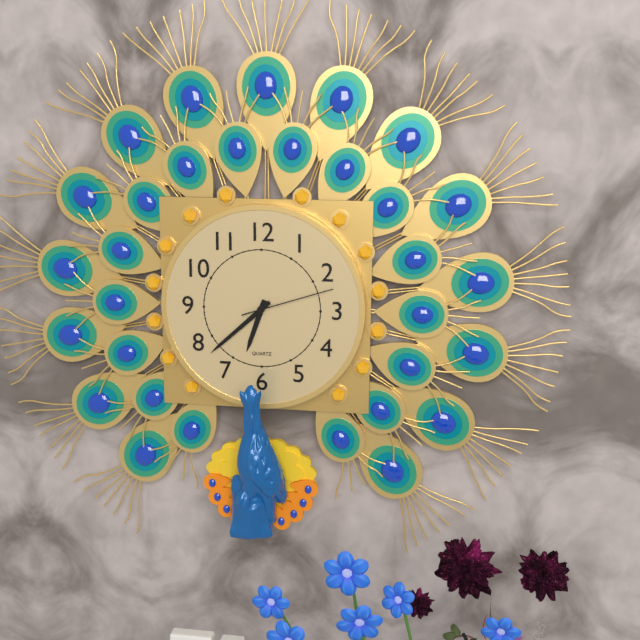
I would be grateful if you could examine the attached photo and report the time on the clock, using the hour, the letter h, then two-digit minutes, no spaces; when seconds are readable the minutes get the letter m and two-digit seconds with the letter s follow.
6h38m12s
